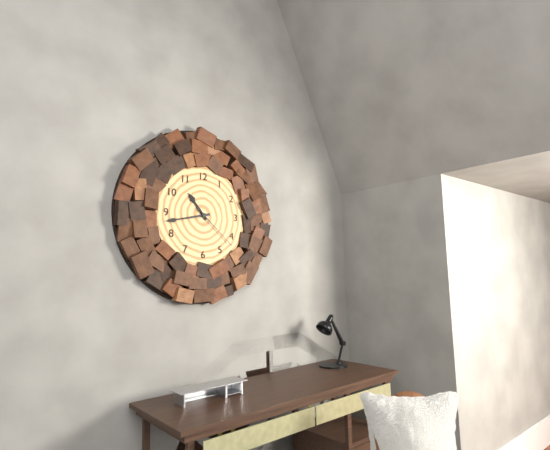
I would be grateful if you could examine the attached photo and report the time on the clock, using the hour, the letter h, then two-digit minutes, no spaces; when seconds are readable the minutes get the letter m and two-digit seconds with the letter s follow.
10h43m22s
